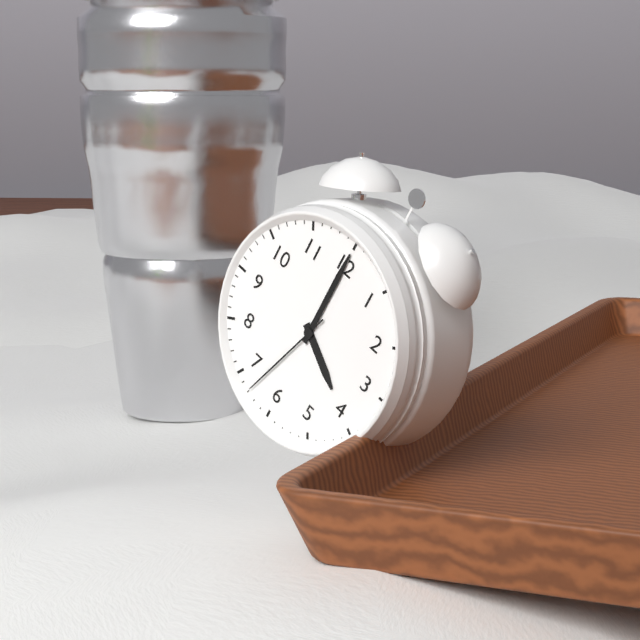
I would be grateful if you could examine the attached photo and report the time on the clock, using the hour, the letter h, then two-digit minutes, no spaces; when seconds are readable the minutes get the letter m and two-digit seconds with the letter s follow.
4h00m33s
